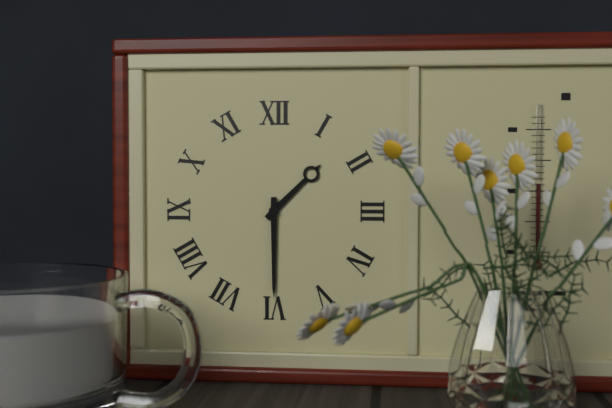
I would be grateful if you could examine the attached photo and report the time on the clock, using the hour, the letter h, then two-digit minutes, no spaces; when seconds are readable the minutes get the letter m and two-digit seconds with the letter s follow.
1h30
